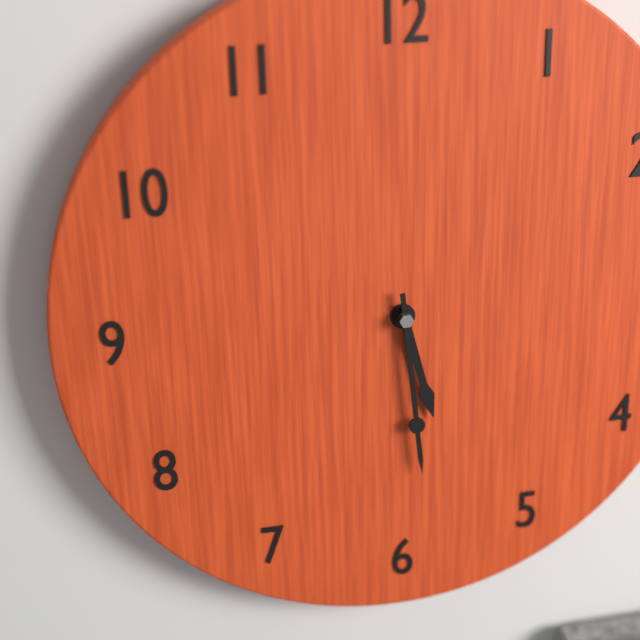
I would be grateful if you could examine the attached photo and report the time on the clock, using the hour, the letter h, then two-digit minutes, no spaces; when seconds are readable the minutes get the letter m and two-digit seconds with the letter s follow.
5h29
